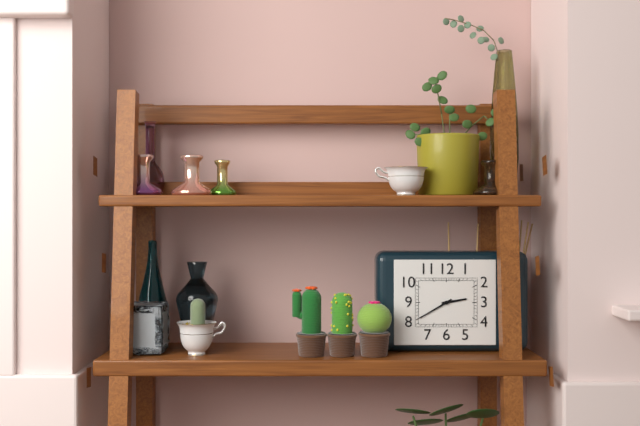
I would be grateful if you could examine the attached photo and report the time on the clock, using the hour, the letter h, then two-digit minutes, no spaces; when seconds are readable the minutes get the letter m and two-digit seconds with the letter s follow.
2h40
